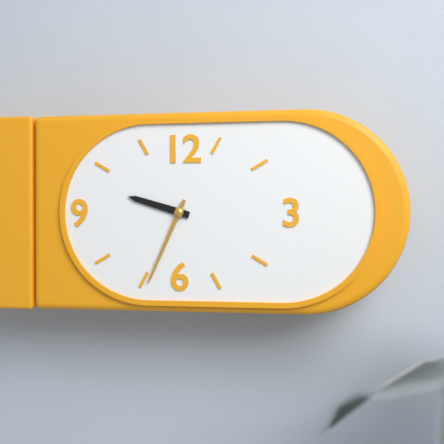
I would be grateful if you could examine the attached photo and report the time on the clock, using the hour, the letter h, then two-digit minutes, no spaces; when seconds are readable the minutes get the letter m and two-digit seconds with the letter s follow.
9h34
